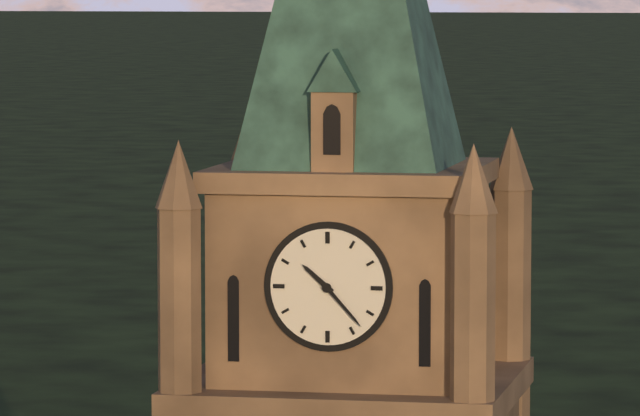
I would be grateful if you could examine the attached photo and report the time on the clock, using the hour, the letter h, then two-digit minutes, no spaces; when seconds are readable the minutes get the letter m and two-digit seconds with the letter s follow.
10h23
